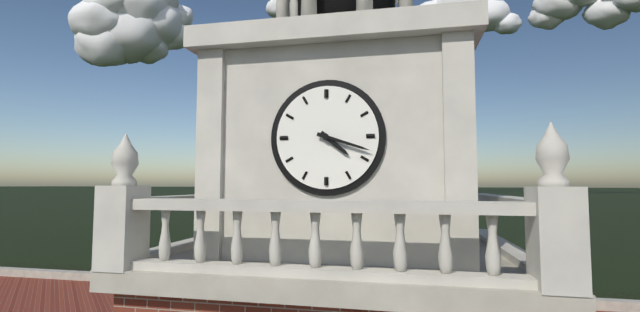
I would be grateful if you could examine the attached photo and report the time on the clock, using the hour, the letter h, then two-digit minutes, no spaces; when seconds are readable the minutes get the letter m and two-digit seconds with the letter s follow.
4h18
